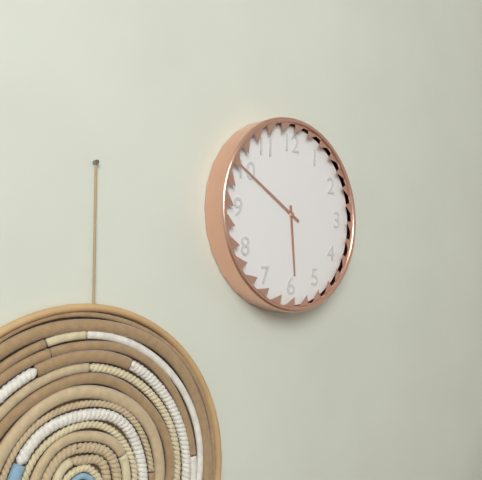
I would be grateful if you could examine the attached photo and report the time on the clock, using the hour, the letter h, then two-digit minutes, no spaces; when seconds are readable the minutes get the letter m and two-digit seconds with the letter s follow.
5h50
